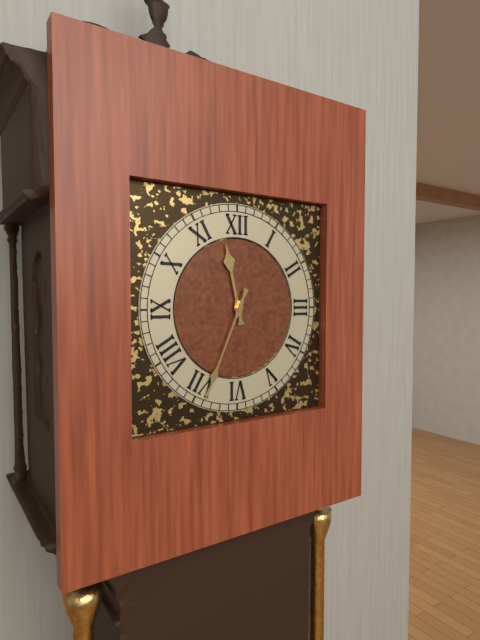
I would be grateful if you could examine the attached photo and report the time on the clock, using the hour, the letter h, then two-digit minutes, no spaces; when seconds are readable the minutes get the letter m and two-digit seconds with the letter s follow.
11h34
